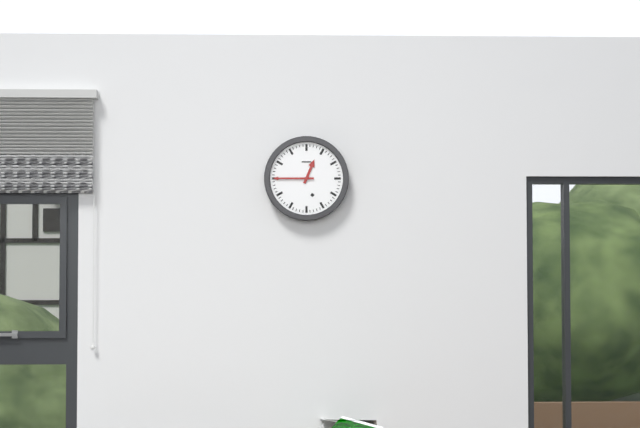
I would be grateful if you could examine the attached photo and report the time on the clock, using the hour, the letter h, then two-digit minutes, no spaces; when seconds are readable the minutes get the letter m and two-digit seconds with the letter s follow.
12h45
